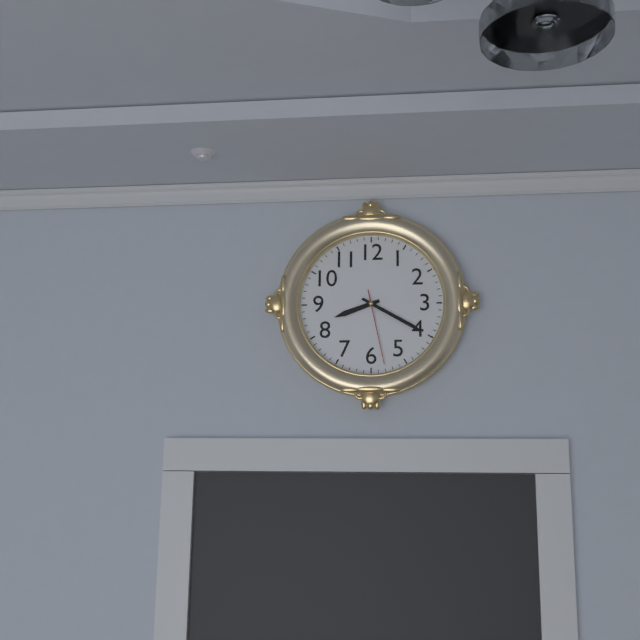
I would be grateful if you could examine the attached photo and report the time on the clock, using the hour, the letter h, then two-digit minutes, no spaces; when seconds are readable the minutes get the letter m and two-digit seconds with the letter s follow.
8h20m28s
